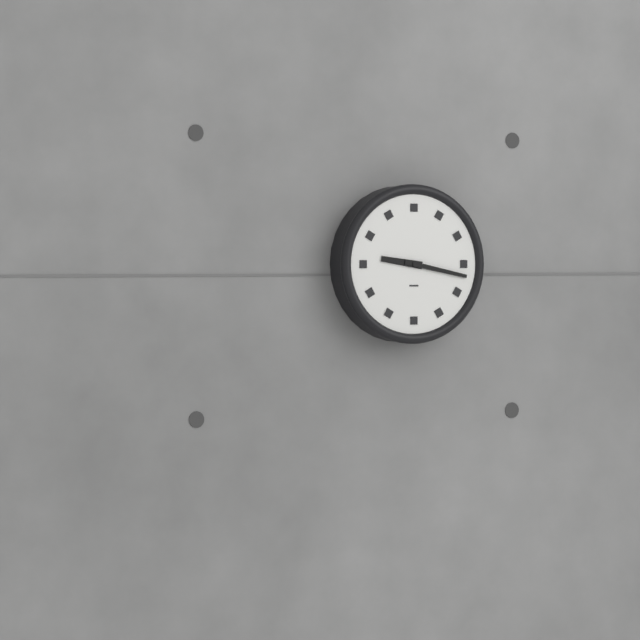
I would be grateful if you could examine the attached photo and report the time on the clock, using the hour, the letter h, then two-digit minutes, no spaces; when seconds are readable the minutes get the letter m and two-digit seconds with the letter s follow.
9h17
